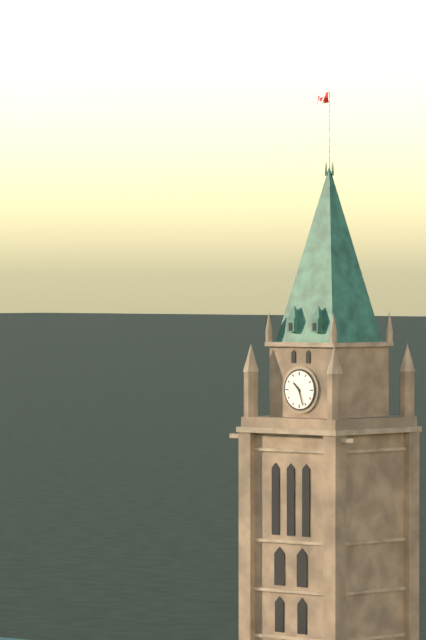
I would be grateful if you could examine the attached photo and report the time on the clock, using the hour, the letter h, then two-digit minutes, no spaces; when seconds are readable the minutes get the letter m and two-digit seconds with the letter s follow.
10h27
